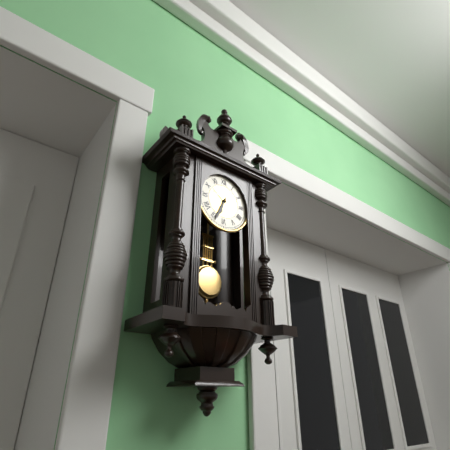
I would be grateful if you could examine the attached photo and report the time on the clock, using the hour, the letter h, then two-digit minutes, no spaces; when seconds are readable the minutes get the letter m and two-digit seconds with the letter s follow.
6h34
